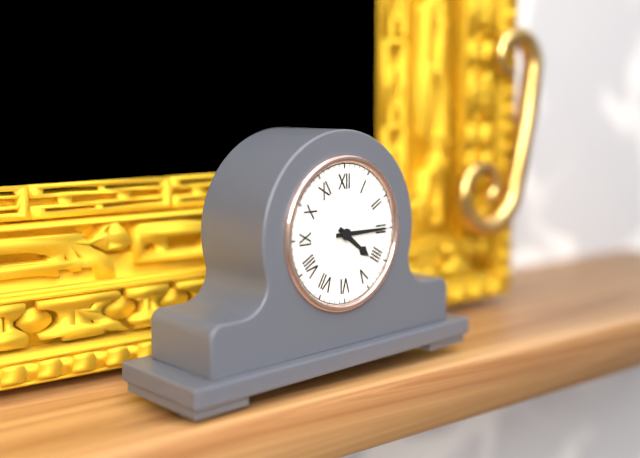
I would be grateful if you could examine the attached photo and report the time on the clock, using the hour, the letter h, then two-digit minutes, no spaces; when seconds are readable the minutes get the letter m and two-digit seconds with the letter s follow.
4h15
